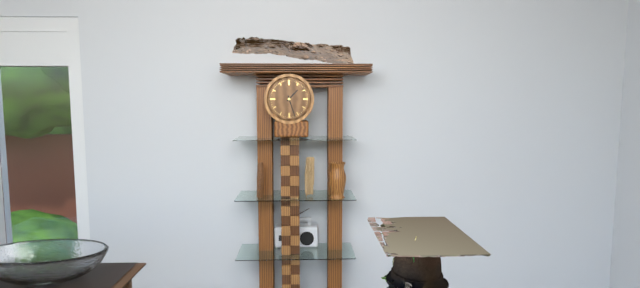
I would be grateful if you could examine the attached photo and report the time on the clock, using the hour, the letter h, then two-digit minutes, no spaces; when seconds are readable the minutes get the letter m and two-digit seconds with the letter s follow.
1h27
